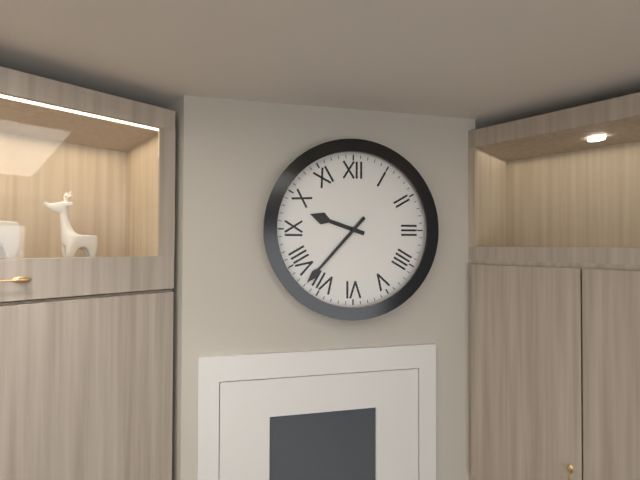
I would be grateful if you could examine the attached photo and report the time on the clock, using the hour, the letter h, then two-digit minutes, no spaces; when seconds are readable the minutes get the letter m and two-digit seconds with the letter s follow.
9h37
